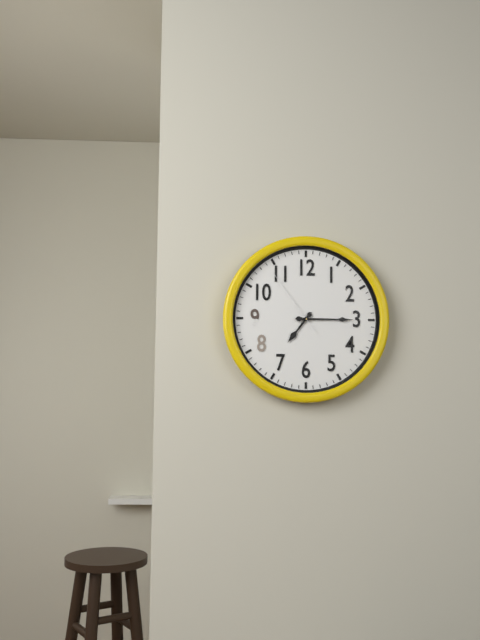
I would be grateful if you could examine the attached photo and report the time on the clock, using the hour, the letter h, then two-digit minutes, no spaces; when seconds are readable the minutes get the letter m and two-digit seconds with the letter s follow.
7h15m54s
